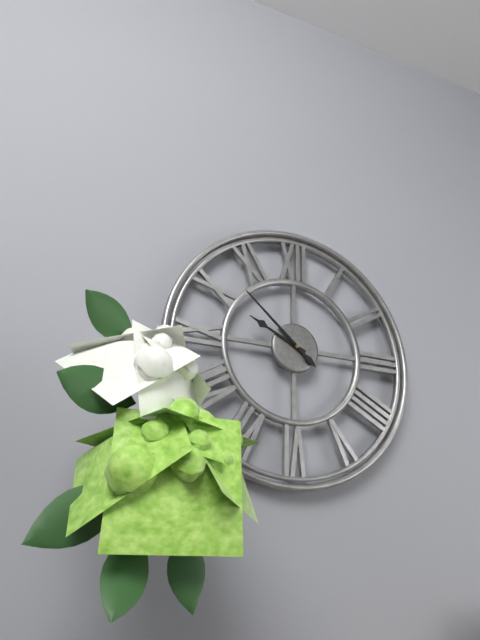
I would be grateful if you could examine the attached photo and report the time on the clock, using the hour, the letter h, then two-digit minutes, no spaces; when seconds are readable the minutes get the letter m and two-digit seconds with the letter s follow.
9h52
